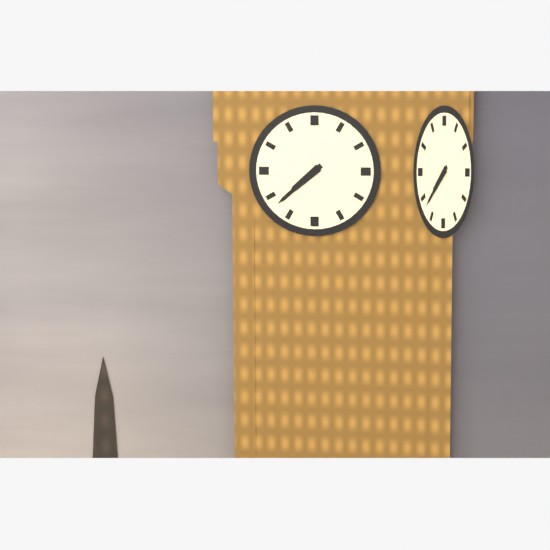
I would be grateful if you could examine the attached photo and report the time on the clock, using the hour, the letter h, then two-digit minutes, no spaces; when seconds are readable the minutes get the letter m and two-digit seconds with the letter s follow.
7h38
